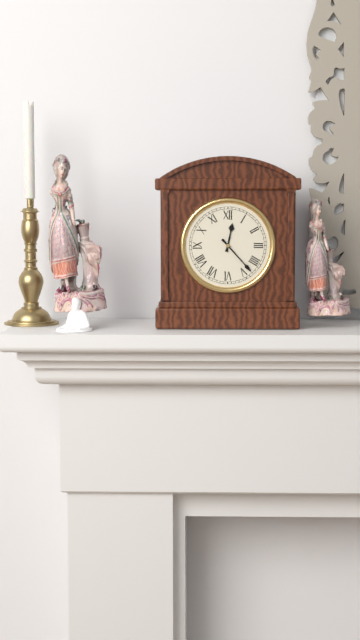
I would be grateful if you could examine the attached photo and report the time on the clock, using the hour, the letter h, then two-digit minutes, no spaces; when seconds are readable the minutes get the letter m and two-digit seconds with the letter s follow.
12h23
